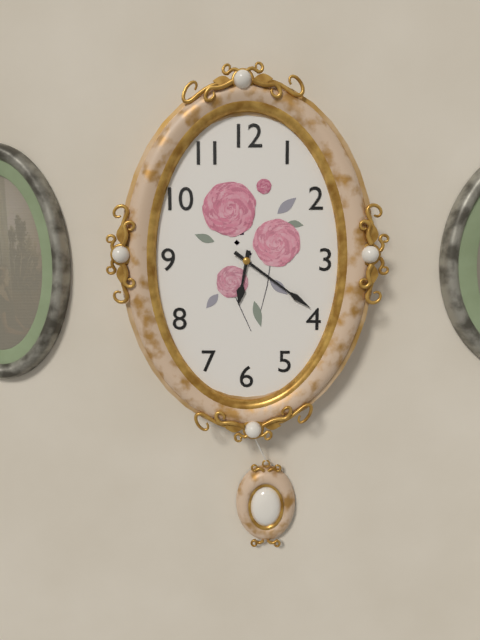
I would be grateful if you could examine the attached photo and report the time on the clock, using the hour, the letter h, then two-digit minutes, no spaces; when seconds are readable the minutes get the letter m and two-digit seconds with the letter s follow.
6h21
